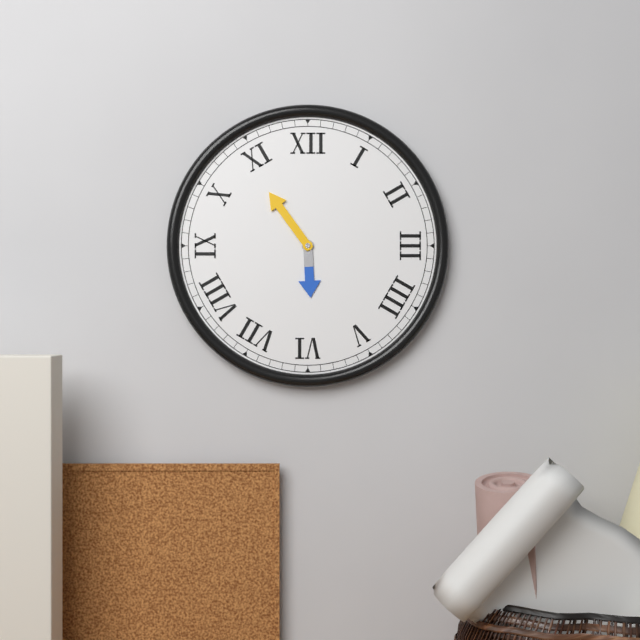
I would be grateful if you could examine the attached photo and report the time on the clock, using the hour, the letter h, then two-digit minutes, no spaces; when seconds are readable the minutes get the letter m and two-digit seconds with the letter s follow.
5h54
